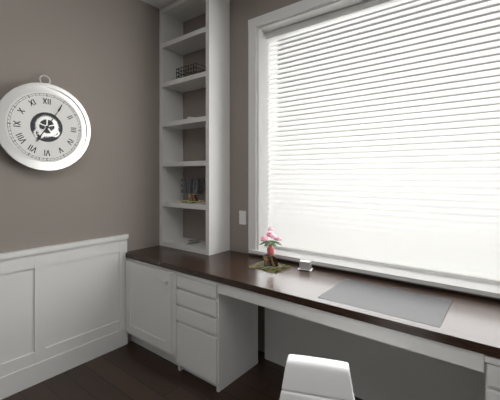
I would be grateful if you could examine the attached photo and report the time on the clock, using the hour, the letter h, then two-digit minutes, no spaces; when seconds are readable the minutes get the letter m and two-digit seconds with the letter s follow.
7h05
